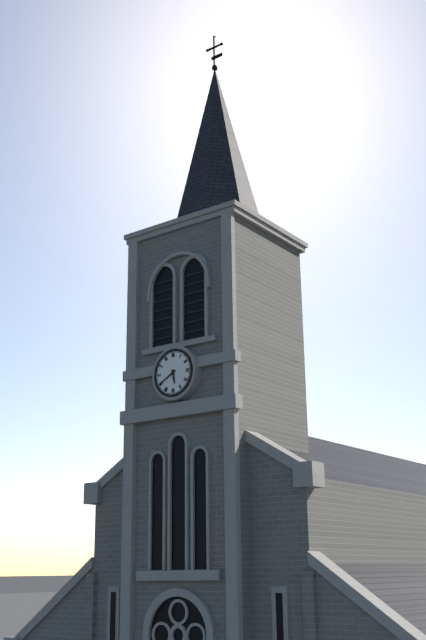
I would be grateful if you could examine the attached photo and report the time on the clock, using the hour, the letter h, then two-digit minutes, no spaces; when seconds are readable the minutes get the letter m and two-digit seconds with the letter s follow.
5h40
